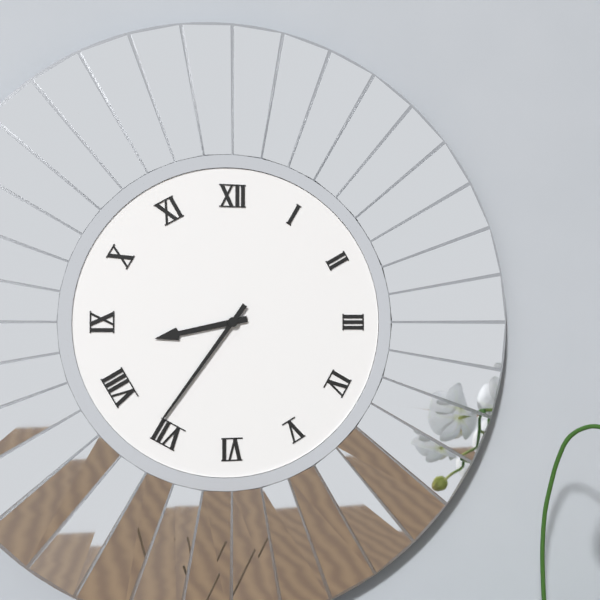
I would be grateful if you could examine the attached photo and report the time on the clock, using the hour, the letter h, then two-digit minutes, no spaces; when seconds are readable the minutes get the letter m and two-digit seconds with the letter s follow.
8h36
